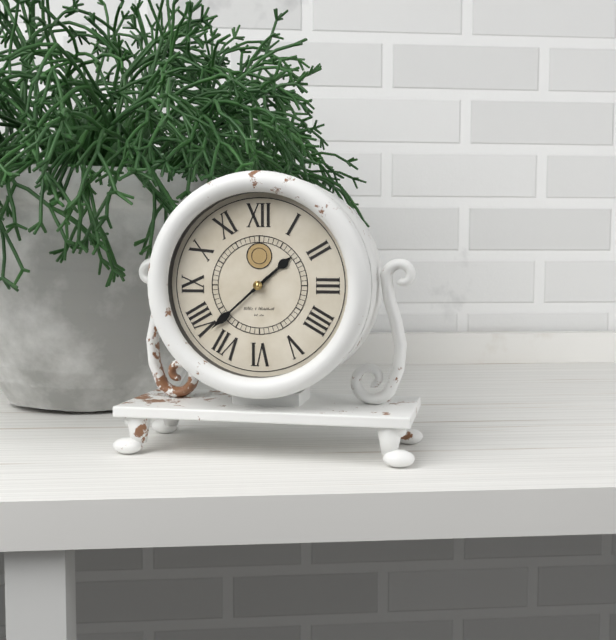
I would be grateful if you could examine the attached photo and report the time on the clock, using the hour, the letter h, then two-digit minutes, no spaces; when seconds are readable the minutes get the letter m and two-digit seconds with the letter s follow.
1h38
